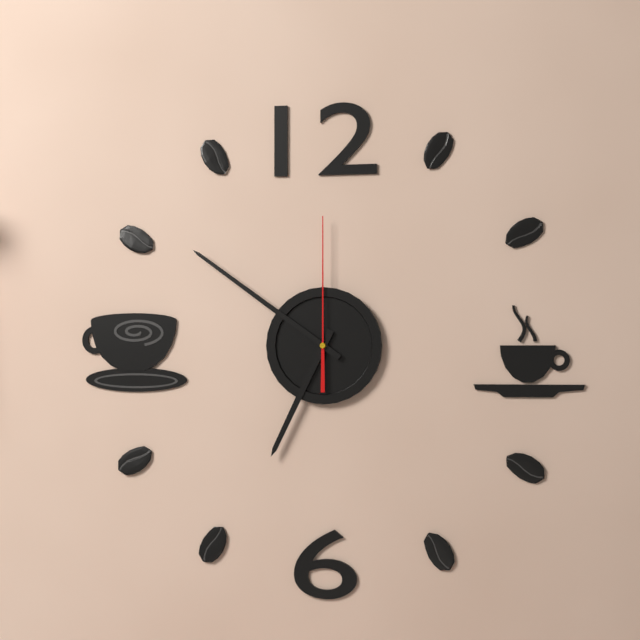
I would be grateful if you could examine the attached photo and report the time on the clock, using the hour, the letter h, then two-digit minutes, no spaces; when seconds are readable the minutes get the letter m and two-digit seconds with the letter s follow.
6h51m00s
